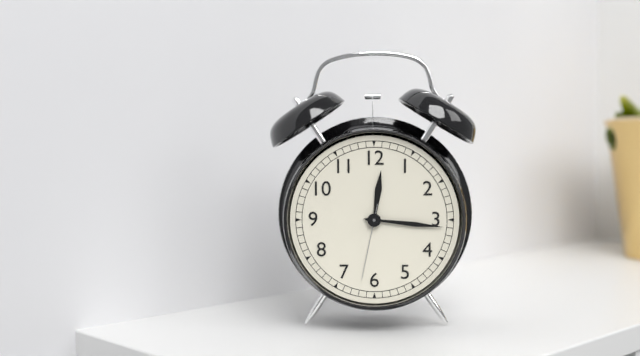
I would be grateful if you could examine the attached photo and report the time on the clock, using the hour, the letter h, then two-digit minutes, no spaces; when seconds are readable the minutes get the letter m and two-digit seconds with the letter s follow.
12h16m32s
